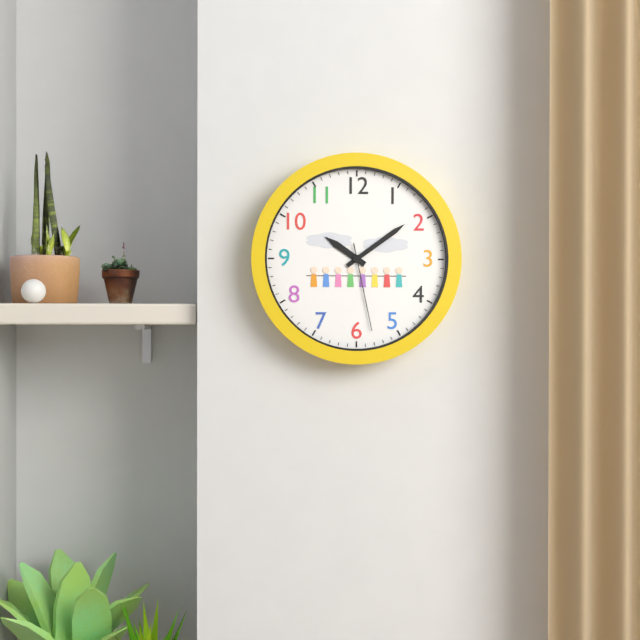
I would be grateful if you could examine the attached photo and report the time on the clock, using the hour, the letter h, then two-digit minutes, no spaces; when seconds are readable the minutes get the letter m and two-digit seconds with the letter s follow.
10h09m28s
